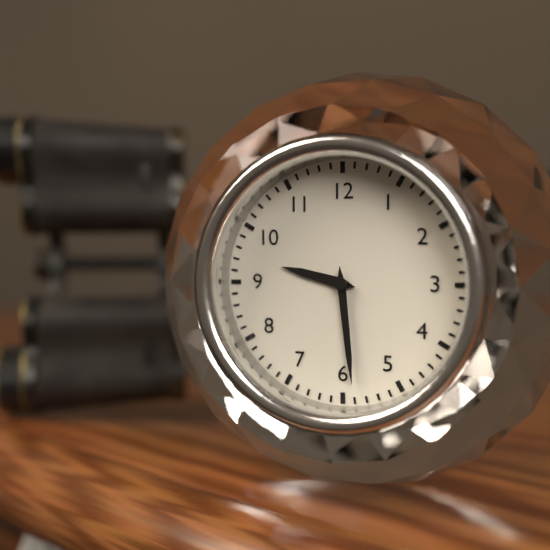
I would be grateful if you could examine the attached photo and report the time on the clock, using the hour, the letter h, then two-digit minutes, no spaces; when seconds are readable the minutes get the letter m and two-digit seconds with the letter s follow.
9h29
